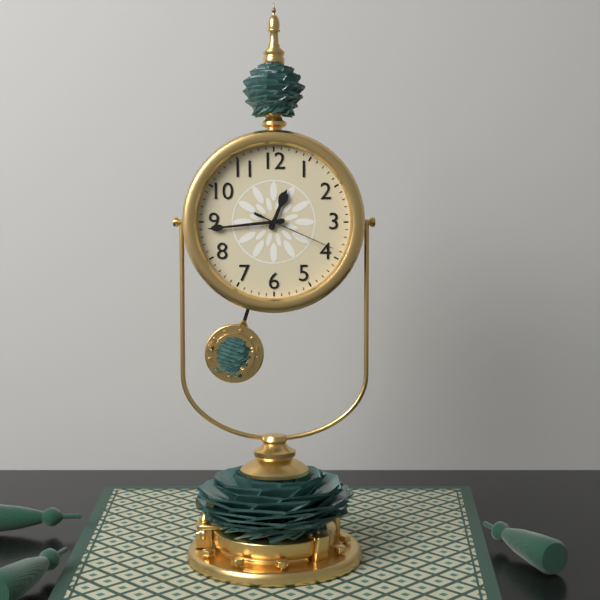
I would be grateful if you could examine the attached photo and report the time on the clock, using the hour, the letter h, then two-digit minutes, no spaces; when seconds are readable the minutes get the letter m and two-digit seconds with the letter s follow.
12h44m19s
